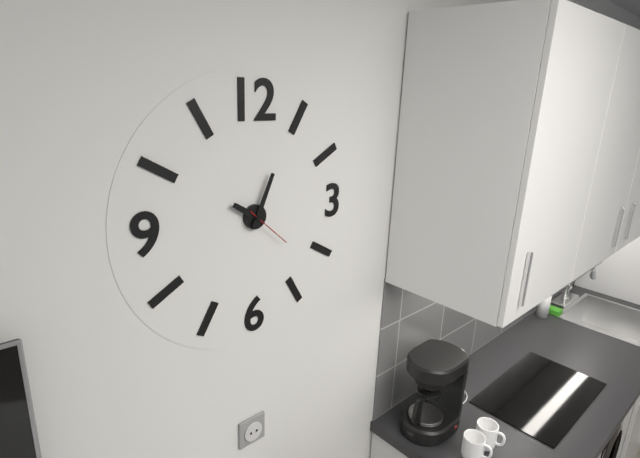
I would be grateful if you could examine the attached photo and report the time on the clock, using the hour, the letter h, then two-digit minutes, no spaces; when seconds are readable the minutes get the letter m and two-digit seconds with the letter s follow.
10h04m22s
